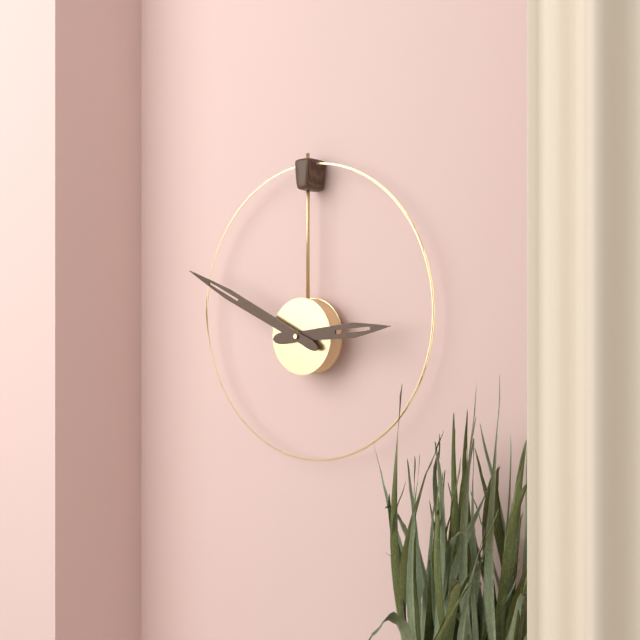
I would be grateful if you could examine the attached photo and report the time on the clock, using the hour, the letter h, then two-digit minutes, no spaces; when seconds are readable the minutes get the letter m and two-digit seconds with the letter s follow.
2h49
